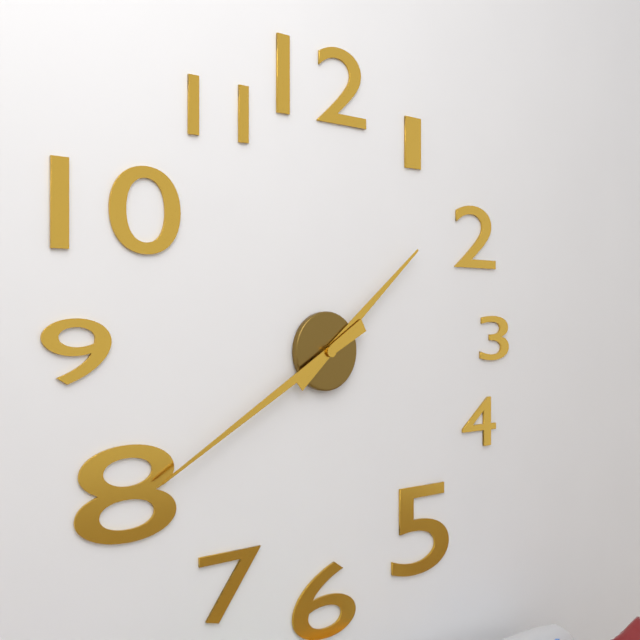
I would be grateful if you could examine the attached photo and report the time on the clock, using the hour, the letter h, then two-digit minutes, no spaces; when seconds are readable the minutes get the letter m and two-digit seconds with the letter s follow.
1h40
